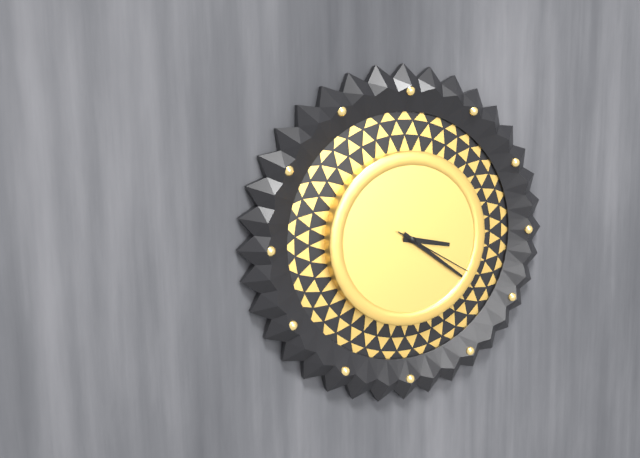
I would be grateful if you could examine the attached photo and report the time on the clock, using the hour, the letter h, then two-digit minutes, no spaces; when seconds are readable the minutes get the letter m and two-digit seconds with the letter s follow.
3h21m20s
